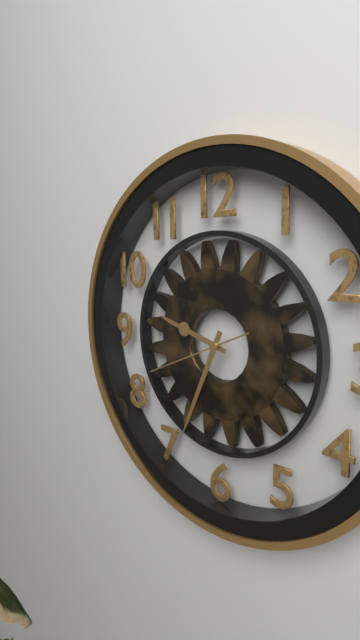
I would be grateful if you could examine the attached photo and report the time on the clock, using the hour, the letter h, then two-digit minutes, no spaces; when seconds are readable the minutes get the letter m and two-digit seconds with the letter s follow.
9h34m41s
